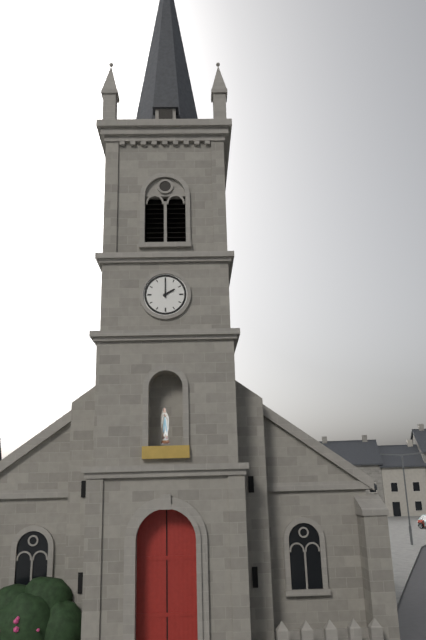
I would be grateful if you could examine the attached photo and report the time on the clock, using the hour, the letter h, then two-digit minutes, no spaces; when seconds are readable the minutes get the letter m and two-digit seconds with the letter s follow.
2h00
